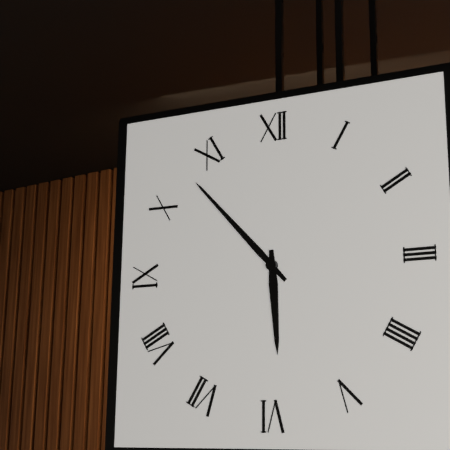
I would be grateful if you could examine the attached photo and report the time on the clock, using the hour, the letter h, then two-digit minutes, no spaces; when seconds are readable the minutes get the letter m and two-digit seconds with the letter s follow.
5h53
